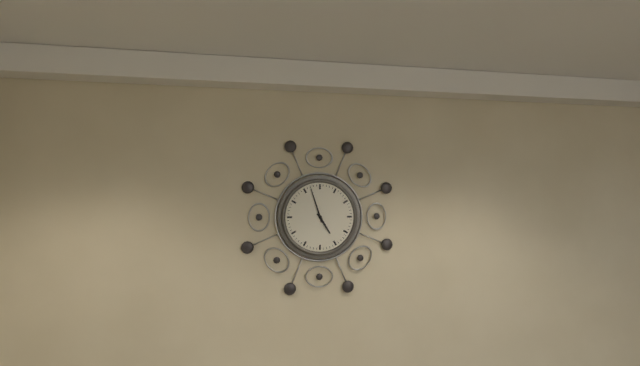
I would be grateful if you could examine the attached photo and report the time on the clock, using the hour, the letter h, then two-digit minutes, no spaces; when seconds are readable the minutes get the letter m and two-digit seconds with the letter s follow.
4h57
